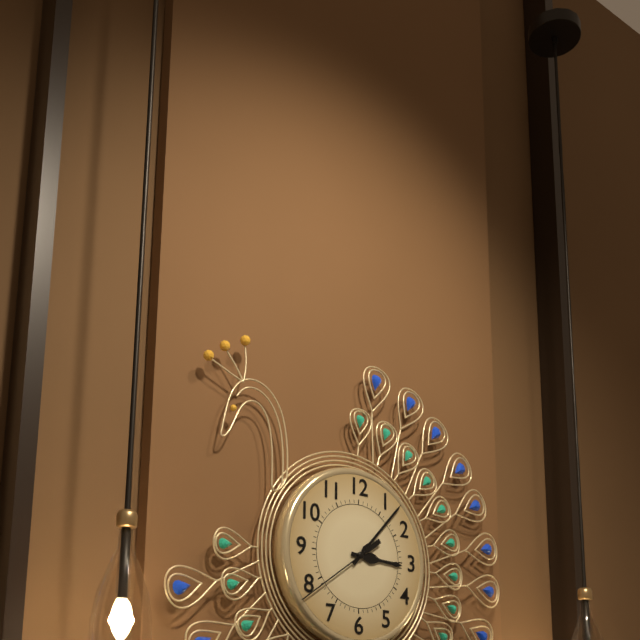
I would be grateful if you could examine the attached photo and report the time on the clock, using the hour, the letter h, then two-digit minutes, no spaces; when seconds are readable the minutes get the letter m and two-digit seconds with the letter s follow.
3h07m39s
